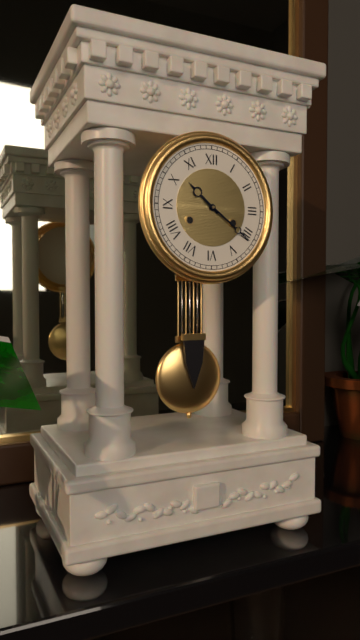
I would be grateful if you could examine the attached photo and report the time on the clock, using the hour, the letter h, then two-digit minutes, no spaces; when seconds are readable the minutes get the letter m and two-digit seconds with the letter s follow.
10h21
